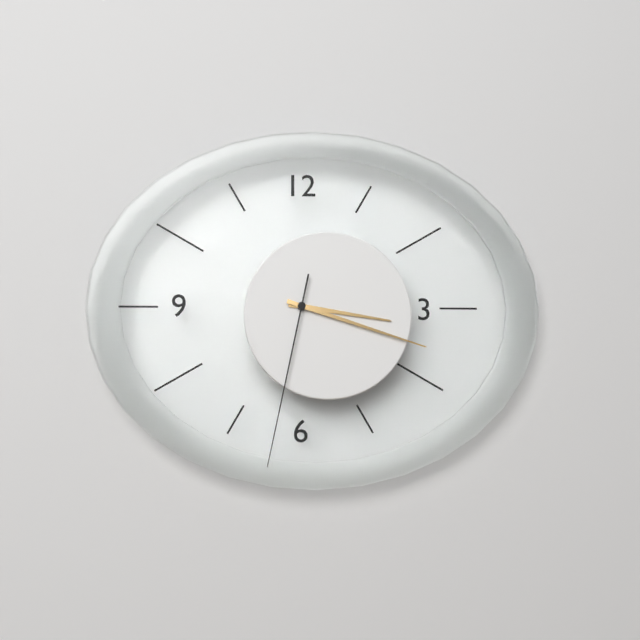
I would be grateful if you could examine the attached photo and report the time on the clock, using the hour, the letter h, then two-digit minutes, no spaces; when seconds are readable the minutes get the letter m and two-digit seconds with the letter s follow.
3h18m32s
